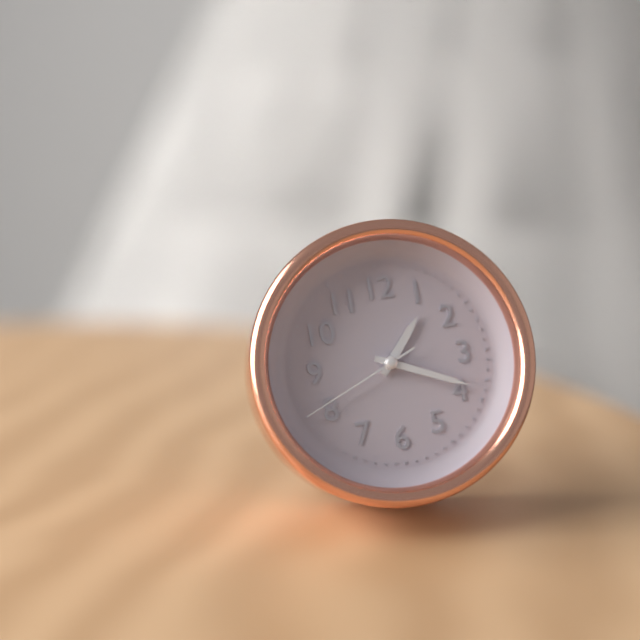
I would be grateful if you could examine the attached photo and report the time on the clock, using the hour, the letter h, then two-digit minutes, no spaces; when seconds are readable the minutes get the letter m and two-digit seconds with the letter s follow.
1h19m41s
